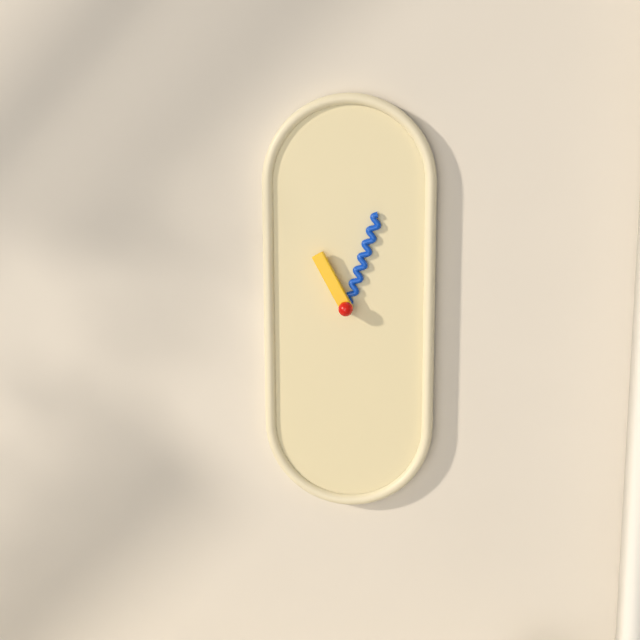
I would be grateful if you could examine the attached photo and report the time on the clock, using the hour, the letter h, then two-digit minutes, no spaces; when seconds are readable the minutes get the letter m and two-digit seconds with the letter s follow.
11h03
